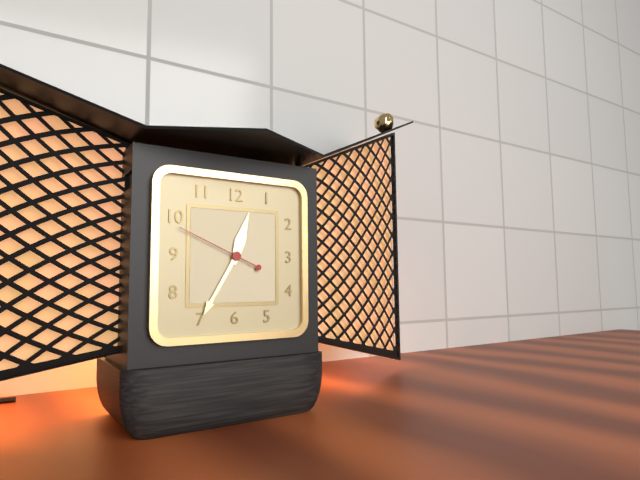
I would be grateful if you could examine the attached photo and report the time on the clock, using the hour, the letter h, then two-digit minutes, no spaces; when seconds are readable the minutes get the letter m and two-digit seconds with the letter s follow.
12h35m49s
